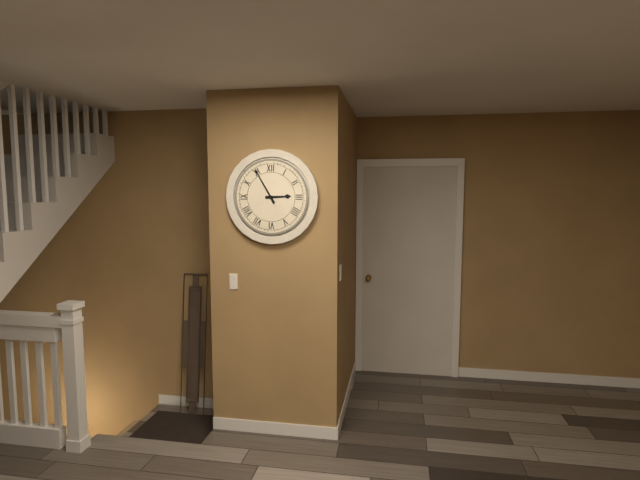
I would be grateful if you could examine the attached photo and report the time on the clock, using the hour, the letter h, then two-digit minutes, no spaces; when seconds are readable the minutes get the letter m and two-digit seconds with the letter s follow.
2h55
